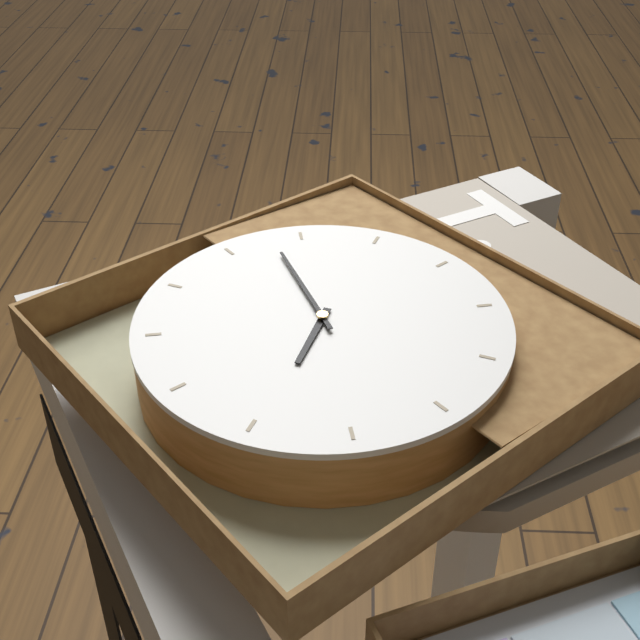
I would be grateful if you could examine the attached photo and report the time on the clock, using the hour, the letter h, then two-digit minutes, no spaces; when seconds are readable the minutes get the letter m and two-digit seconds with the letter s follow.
5h53
